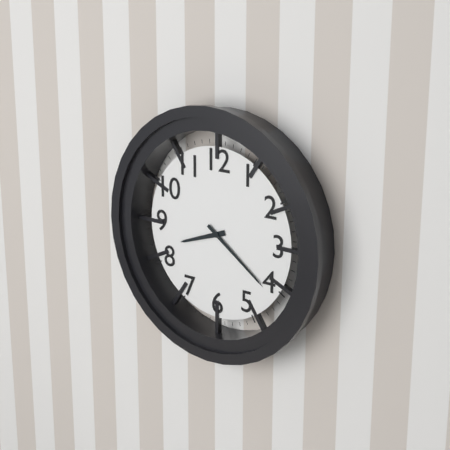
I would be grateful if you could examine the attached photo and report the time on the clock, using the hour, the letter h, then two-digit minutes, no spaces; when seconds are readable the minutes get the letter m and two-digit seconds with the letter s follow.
8h21
